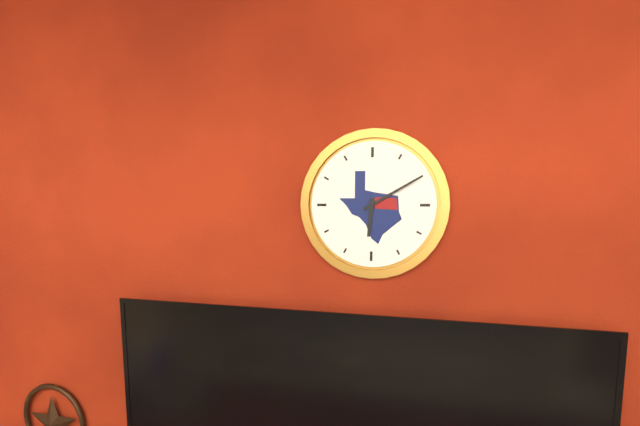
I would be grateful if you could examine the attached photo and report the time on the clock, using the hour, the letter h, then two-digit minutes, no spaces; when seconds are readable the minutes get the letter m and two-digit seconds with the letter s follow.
6h10
